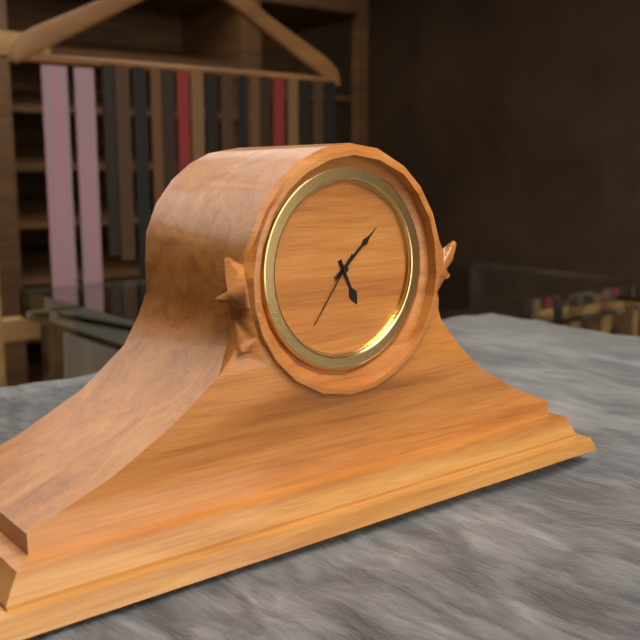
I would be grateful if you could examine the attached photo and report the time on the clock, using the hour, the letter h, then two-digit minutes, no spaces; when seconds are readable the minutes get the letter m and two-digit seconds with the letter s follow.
5h08m36s
